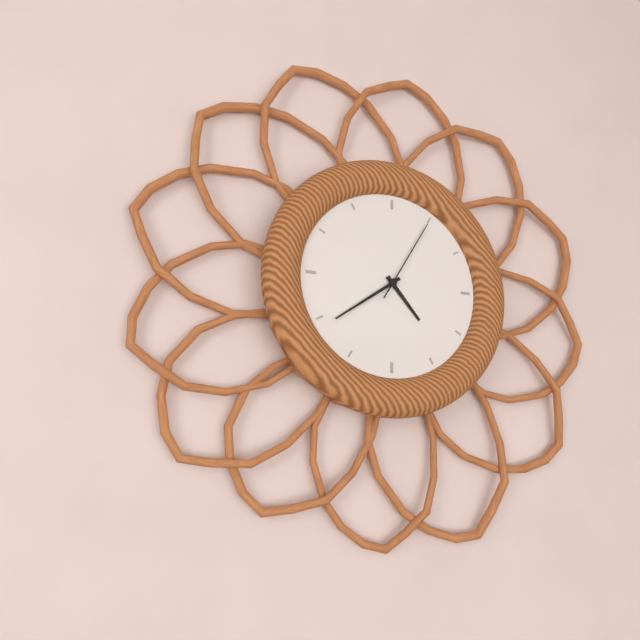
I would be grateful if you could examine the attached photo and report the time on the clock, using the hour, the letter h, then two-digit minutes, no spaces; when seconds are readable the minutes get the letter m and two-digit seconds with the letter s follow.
4h39m05s
